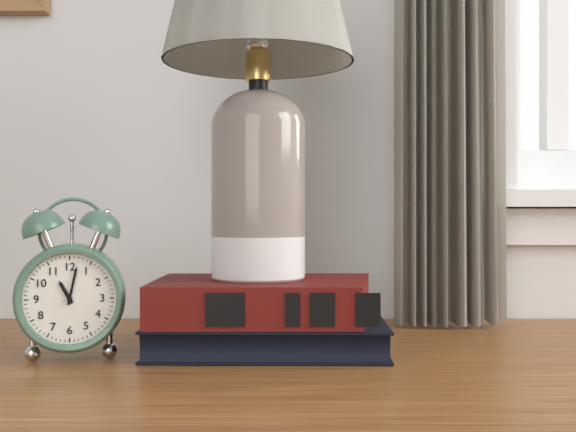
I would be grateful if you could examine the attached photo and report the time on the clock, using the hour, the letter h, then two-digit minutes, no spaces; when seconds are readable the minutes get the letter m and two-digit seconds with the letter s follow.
11h02
